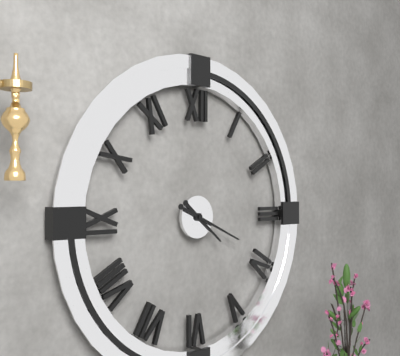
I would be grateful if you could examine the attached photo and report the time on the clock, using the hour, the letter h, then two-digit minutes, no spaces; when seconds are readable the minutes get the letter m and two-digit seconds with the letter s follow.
4h19
